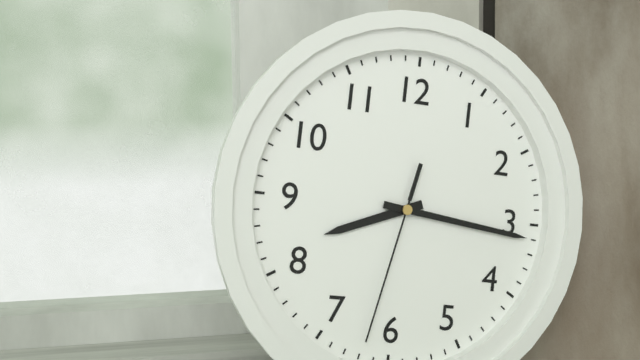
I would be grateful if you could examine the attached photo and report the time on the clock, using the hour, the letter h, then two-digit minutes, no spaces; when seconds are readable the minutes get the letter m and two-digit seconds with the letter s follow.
8h16m32s
